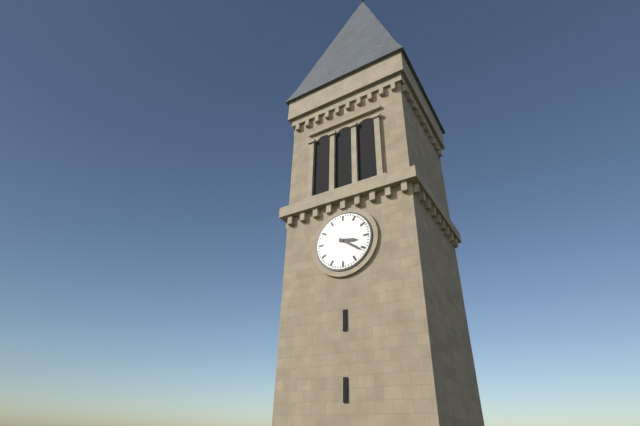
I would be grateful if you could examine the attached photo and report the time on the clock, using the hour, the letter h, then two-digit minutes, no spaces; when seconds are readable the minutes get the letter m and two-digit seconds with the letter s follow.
3h21
